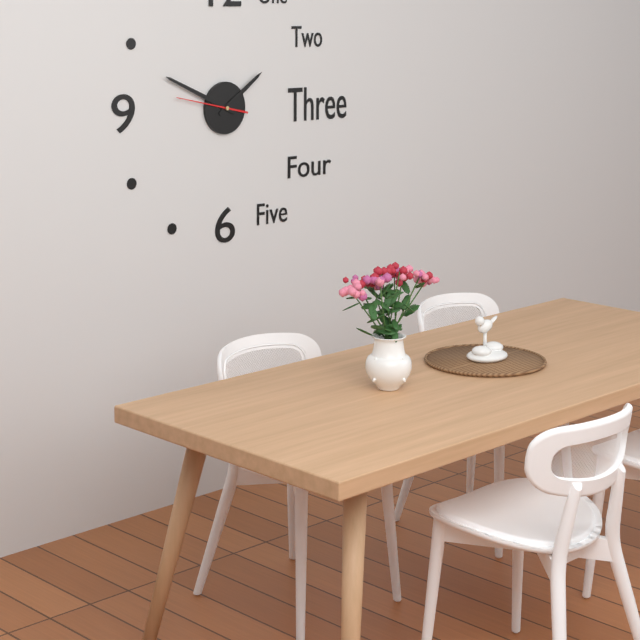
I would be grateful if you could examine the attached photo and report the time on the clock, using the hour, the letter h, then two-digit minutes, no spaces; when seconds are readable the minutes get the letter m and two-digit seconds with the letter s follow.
1h49m47s
